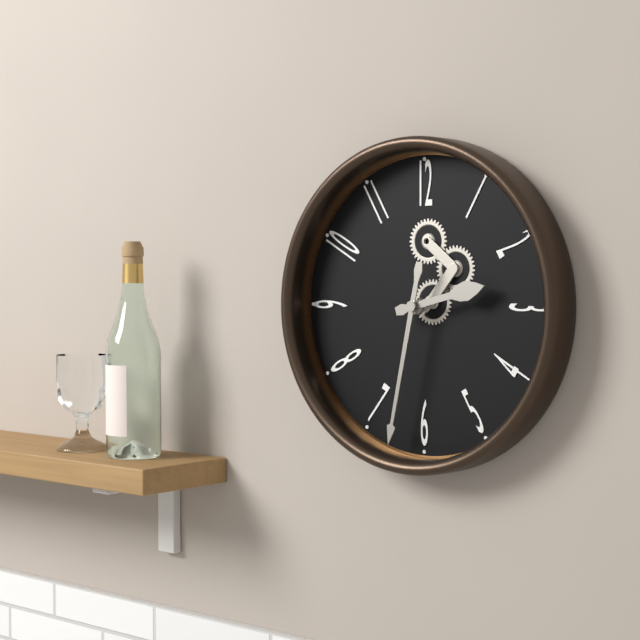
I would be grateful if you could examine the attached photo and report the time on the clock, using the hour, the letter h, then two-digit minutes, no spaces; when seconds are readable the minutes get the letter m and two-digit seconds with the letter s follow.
2h32
